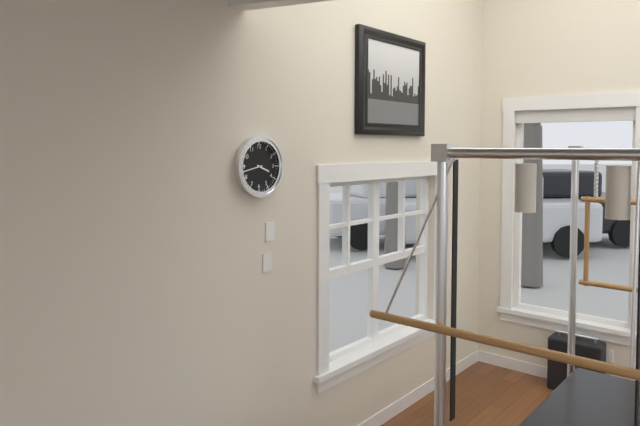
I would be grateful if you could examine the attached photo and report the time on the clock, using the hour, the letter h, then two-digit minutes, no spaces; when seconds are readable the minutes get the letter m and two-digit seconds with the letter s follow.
3h43
